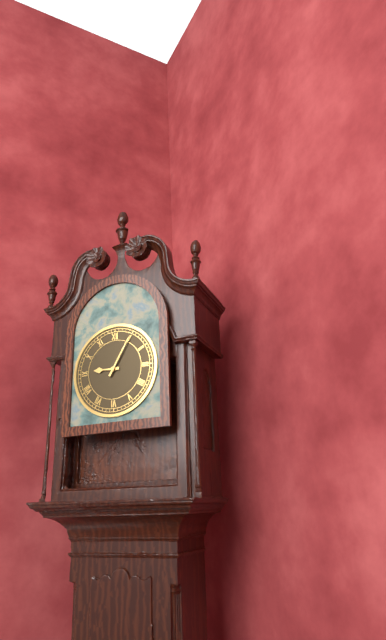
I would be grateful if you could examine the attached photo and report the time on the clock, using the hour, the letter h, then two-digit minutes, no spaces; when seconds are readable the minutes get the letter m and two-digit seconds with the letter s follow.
9h05
